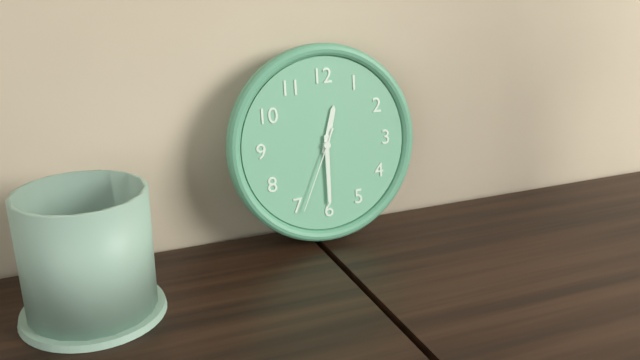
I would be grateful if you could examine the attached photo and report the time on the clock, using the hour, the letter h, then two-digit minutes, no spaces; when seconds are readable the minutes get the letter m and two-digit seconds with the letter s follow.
12h30m34s
